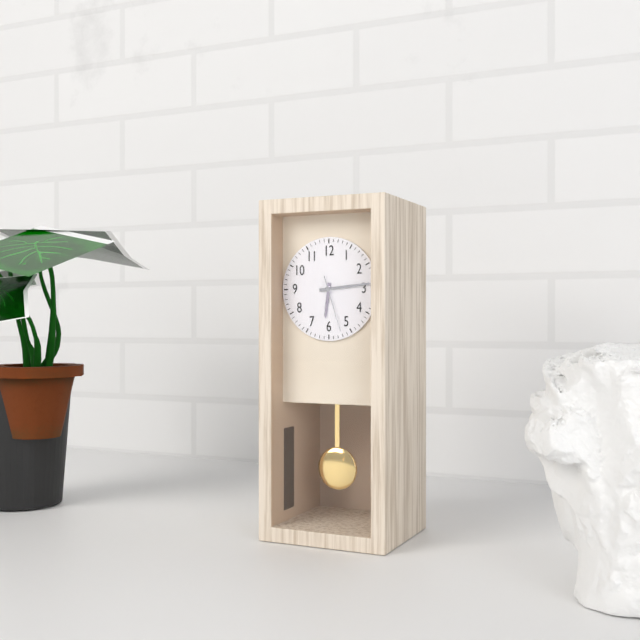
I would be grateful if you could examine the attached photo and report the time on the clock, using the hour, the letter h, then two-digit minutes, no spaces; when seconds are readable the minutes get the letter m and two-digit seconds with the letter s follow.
6h14m27s
